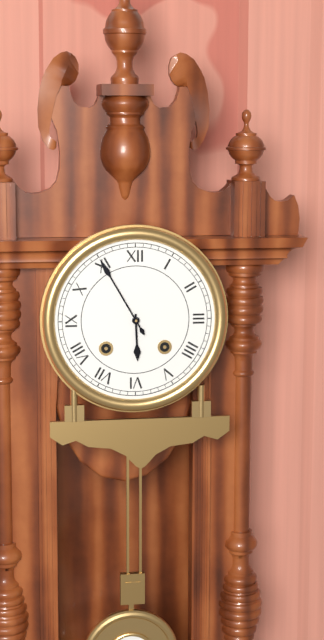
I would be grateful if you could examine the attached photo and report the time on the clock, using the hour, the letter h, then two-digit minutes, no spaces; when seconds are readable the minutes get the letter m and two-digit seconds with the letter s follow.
5h55
